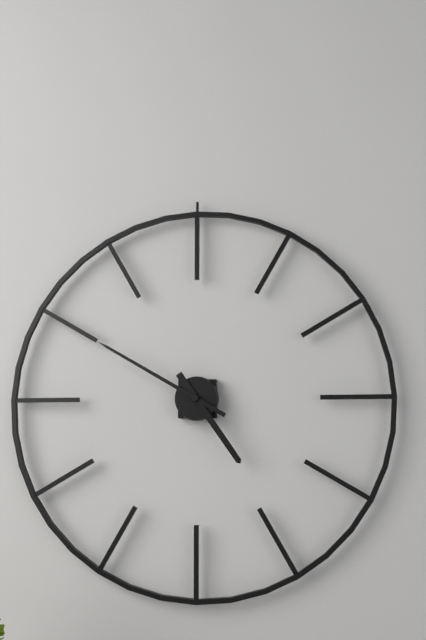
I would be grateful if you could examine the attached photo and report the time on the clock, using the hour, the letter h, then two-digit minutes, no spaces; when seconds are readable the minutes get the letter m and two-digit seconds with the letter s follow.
4h50
